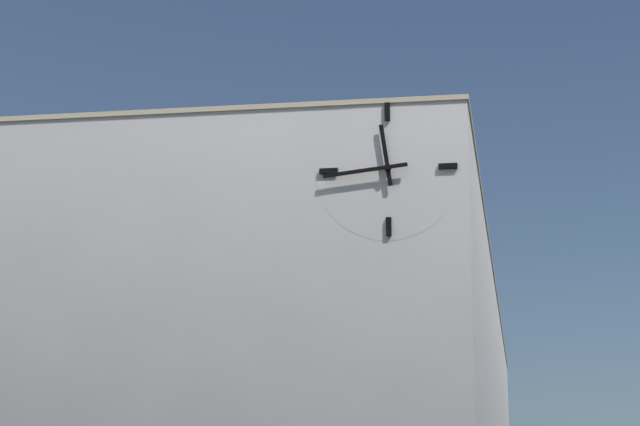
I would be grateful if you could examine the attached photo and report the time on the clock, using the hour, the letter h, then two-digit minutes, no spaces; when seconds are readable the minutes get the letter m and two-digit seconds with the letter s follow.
11h44
